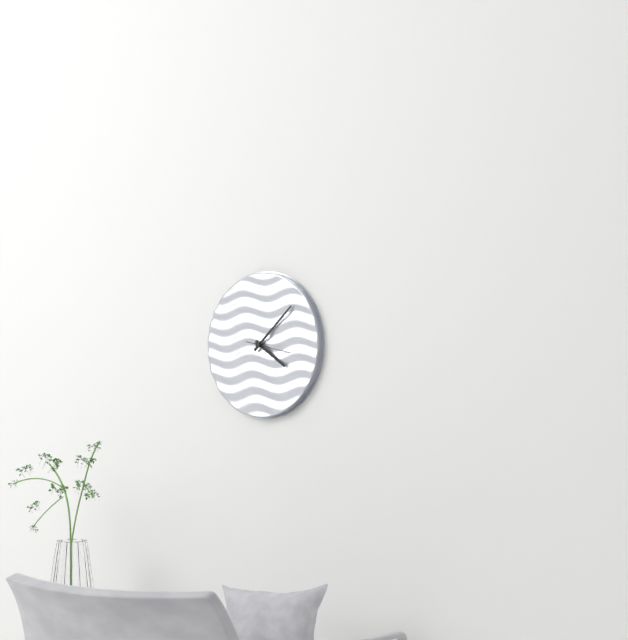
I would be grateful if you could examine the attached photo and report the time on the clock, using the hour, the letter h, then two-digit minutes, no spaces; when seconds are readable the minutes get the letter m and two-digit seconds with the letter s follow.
4h08
